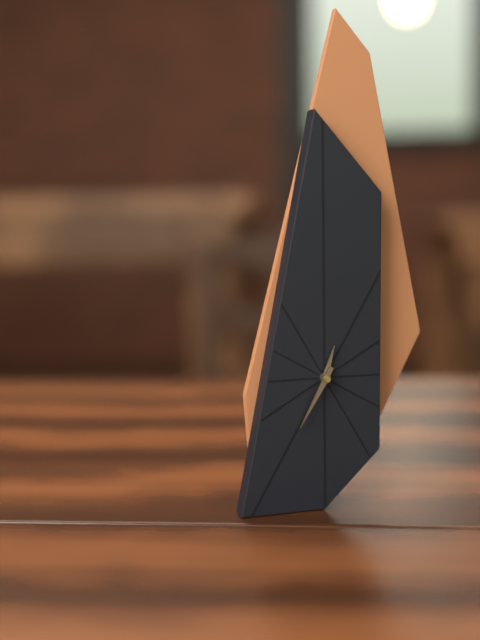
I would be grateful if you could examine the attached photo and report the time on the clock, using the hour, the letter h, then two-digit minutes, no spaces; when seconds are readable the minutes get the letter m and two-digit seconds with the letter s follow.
12h35
